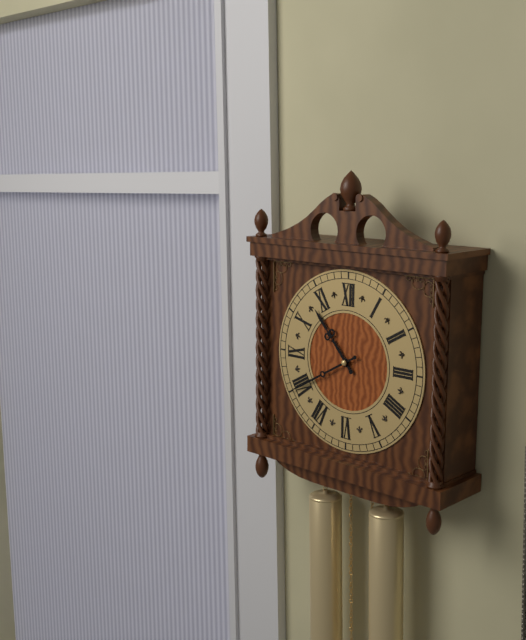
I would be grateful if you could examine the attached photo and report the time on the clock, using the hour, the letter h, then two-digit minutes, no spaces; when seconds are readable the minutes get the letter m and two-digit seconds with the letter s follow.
10h40
